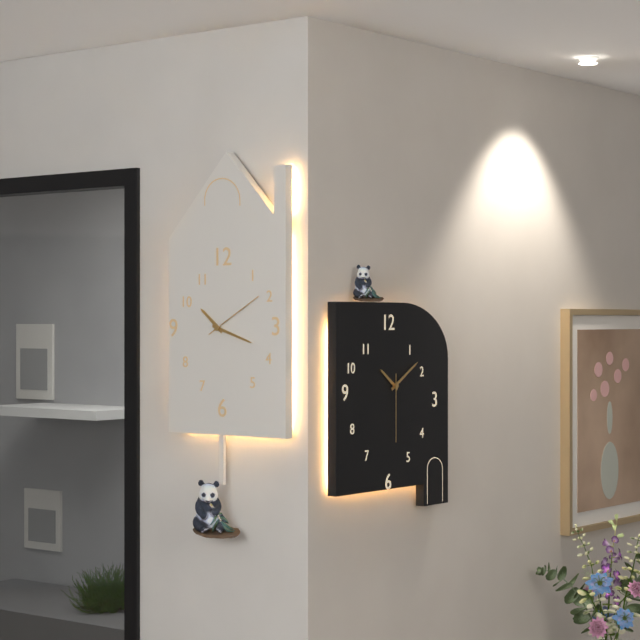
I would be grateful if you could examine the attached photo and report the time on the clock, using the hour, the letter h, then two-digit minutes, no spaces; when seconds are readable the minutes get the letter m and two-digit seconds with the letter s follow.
10h18m10s
